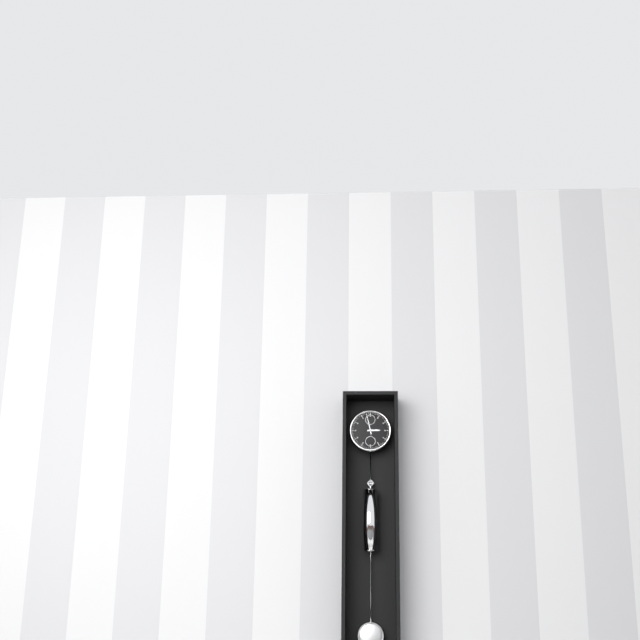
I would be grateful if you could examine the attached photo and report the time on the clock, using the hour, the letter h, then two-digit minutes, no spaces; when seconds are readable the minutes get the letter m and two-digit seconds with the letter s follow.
2h58
